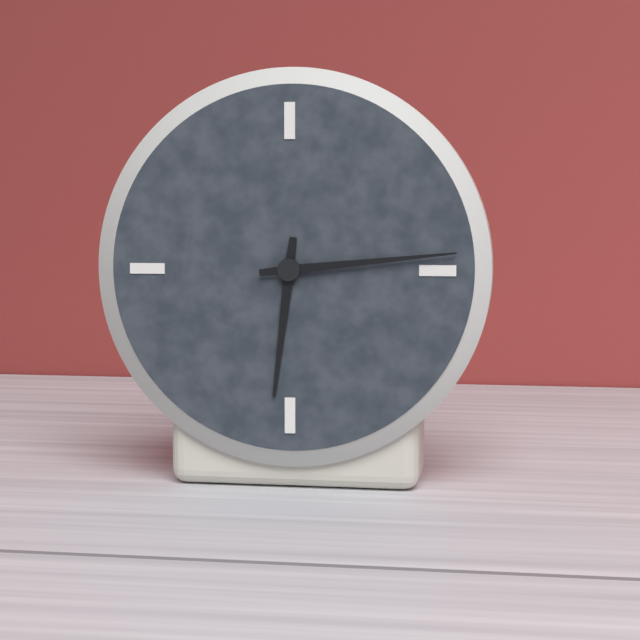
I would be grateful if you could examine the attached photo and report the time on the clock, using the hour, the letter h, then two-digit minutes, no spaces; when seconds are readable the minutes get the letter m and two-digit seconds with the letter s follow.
6h14
